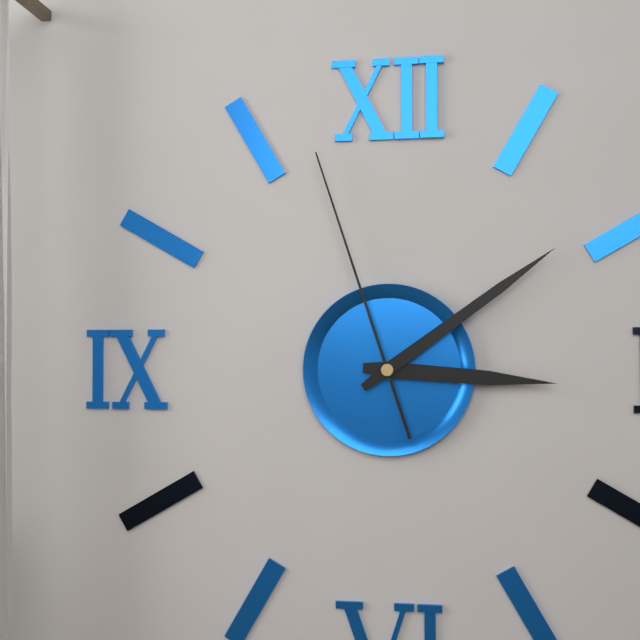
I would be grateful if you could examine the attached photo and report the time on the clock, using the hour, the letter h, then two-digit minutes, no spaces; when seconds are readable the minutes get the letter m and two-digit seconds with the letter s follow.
3h09m57s
